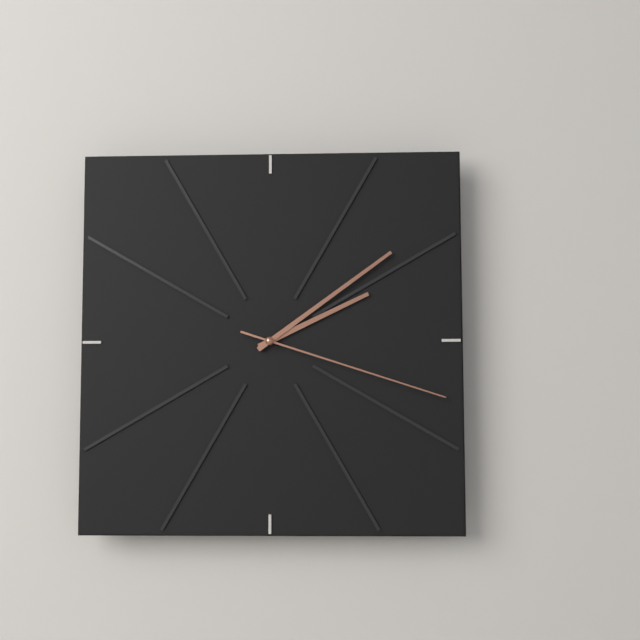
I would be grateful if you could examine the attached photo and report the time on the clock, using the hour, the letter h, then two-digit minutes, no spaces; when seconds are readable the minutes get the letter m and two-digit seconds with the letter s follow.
2h09m18s
